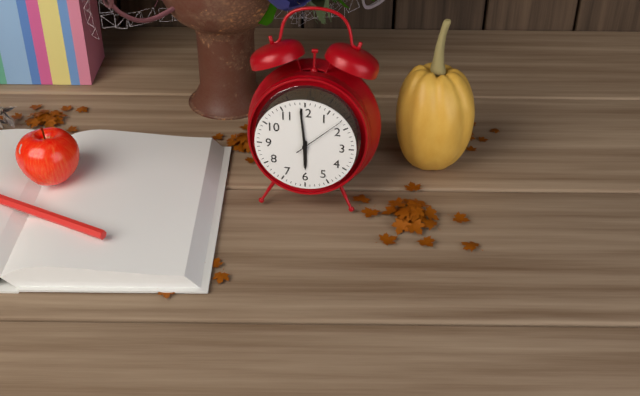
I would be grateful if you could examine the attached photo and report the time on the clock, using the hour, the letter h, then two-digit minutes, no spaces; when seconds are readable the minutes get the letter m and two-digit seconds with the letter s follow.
5h59m08s
